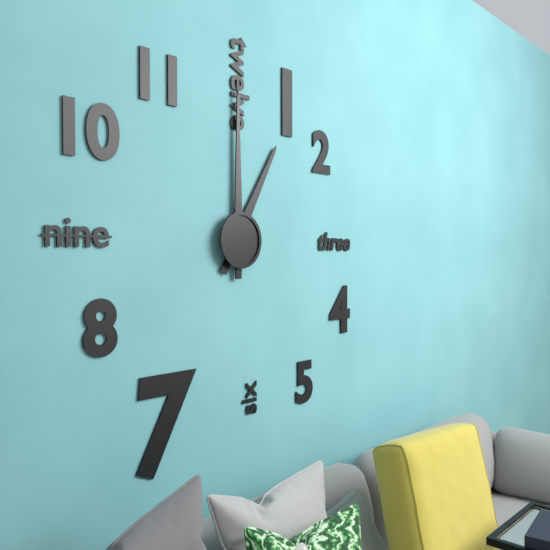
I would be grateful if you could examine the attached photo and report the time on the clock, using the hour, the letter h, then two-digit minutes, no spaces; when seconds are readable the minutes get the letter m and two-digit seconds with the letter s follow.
1h00
